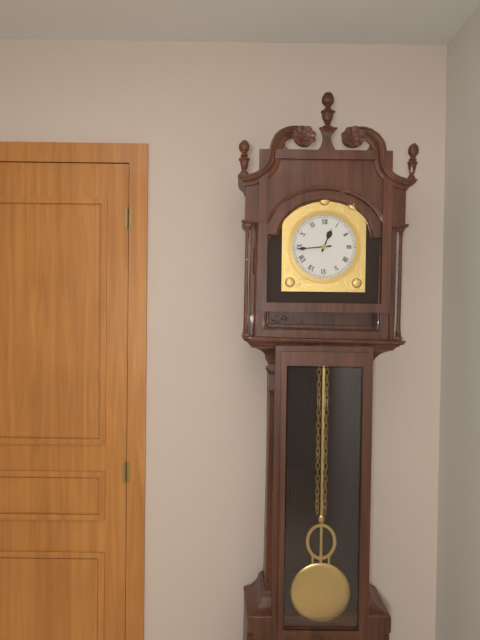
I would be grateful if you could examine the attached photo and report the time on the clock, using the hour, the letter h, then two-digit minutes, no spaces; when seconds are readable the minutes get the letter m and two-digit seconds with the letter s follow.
12h44
